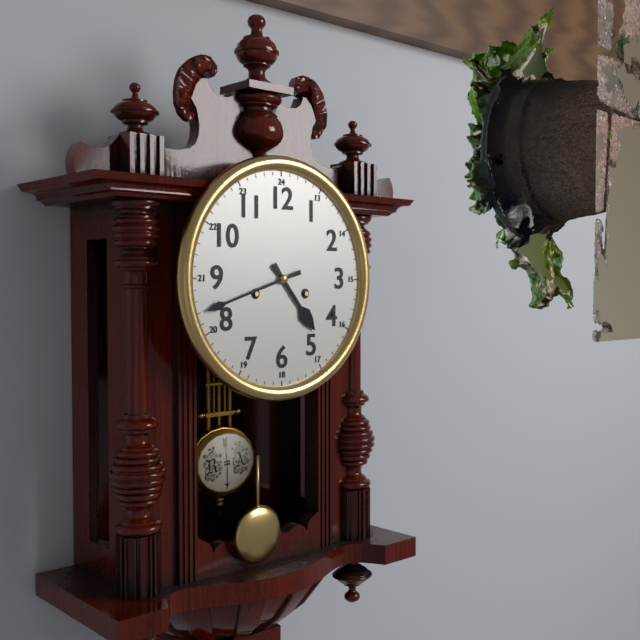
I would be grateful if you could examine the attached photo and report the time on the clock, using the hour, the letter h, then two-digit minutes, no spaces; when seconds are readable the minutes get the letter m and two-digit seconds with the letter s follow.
4h42
